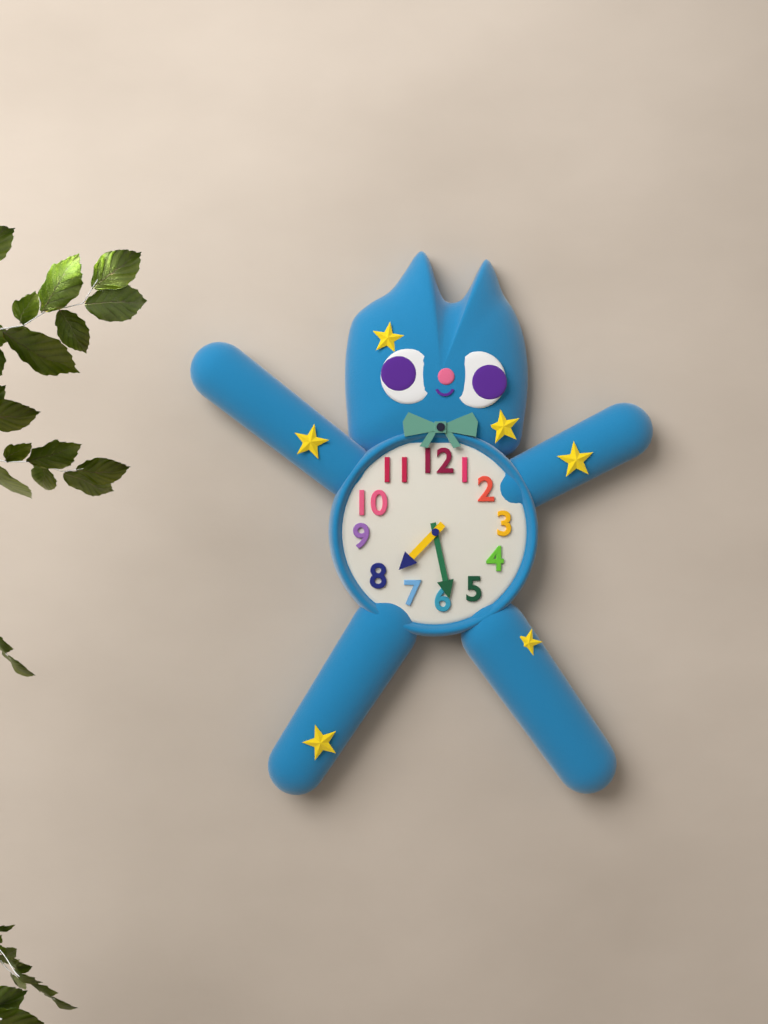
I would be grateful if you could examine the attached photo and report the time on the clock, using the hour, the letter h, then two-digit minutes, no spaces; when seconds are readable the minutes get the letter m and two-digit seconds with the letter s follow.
7h28
